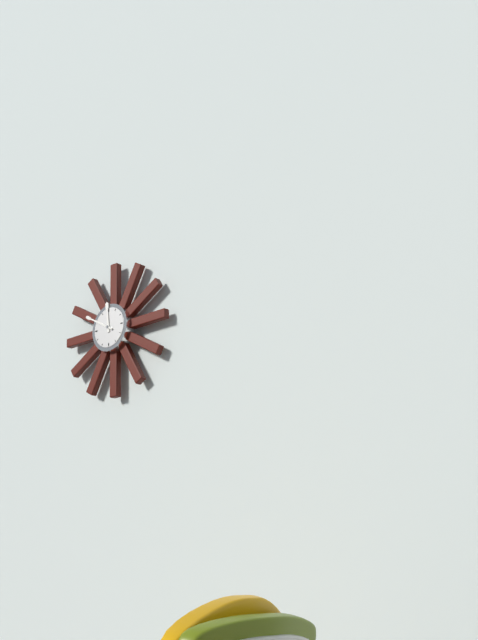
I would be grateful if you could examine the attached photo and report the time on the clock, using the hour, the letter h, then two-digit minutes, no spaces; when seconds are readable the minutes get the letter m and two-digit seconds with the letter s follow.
11h50
